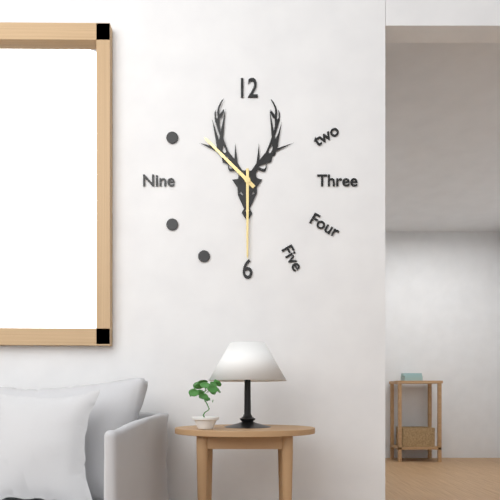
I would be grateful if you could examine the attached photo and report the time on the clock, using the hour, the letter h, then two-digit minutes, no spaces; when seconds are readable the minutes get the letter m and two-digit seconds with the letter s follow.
10h30
